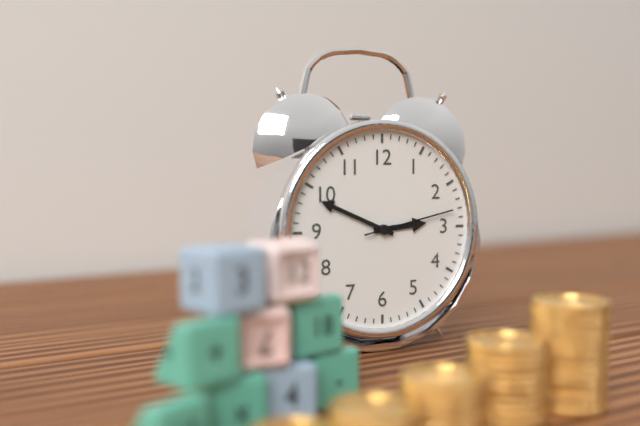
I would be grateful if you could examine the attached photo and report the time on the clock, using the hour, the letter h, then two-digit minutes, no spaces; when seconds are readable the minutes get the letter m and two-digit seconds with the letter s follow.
2h49m13s
